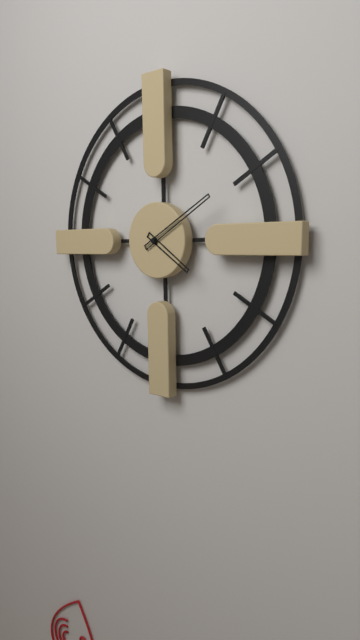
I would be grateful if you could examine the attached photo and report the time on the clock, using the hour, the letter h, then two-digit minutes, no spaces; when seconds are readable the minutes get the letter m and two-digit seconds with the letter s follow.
4h10
